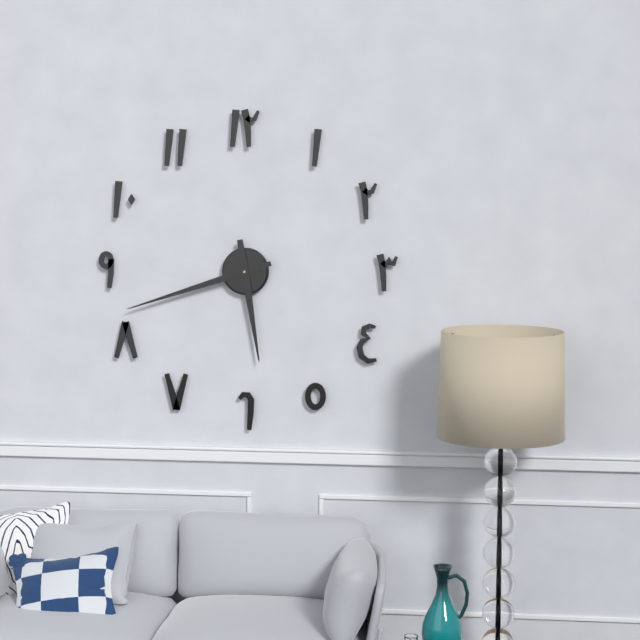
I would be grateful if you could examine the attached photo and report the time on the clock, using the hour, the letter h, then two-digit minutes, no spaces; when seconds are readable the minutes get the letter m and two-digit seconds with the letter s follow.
5h42
